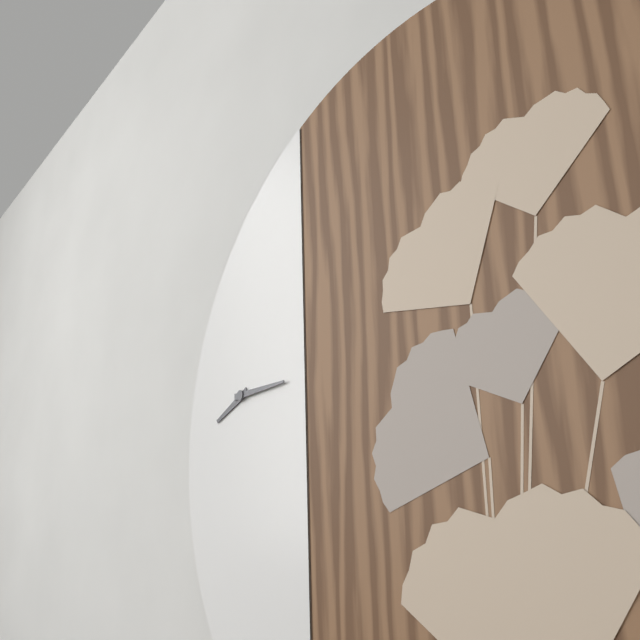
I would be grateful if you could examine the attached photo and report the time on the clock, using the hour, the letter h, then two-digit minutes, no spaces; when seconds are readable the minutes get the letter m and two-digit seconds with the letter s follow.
8h15
